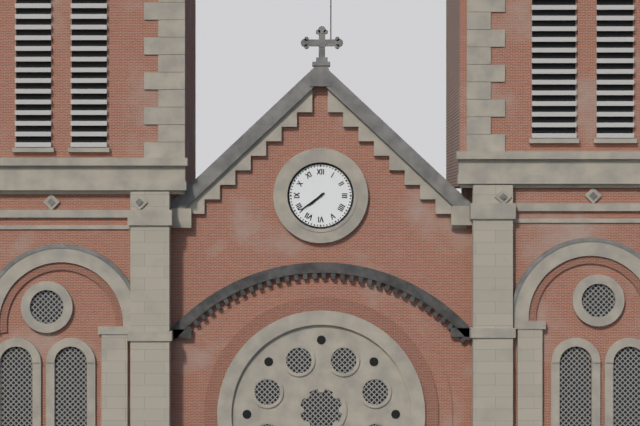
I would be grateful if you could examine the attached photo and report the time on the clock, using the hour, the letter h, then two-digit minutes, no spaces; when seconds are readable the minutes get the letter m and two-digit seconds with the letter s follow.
7h39
